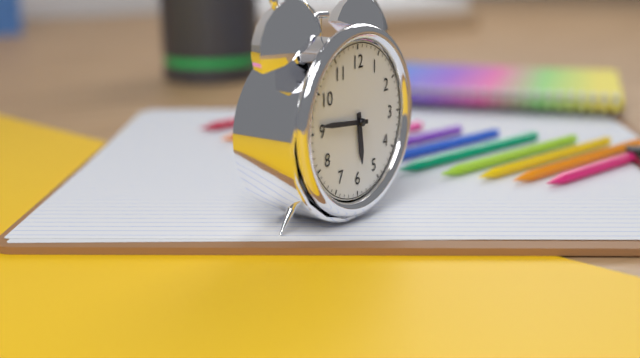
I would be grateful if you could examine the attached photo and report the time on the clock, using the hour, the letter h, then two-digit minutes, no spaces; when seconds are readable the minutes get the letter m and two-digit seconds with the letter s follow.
5h46
